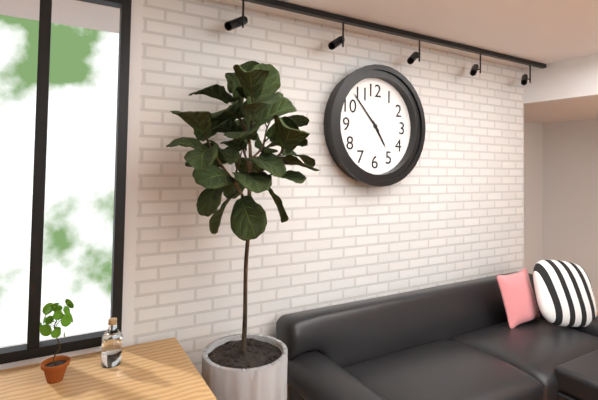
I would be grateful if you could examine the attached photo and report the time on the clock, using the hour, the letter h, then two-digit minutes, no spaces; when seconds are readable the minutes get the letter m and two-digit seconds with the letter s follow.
4h53
